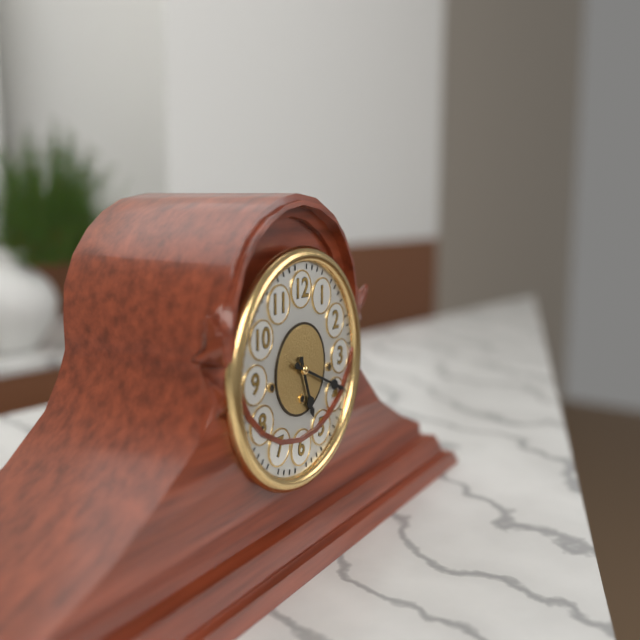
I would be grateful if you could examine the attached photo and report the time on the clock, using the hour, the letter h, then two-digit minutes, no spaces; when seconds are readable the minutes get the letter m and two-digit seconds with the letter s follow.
5h19
